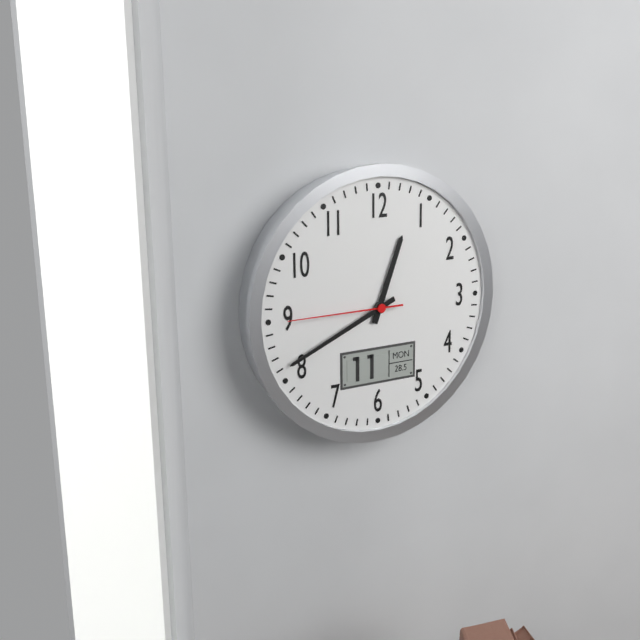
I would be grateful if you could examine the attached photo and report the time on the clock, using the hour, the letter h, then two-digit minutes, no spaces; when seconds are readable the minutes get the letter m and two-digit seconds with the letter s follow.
12h41m45s
